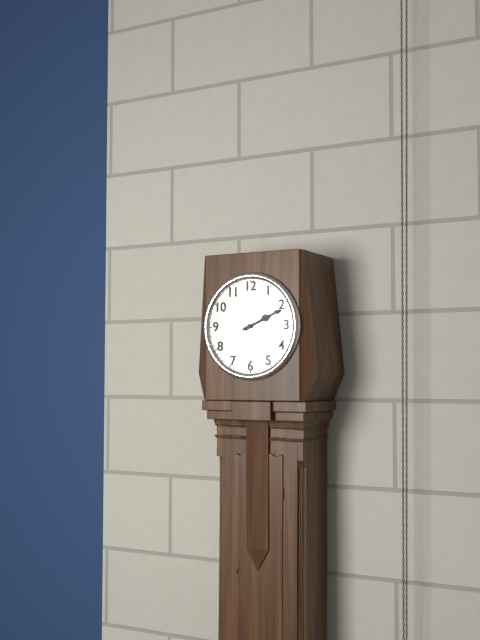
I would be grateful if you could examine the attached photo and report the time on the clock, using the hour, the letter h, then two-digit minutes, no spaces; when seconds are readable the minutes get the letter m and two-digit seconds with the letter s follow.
2h11
